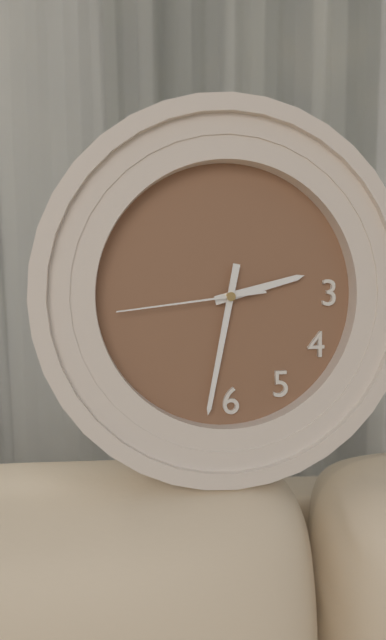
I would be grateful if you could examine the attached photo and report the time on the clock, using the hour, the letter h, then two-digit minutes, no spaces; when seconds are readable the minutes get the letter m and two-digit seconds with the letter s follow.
2h32m44s
